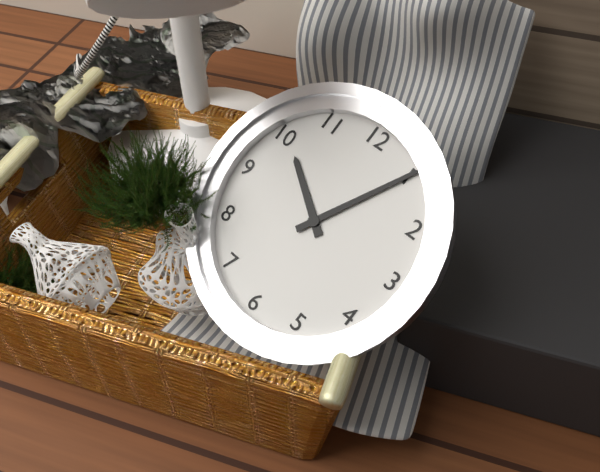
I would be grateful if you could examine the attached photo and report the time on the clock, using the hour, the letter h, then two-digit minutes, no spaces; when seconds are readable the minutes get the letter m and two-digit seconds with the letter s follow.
10h05
